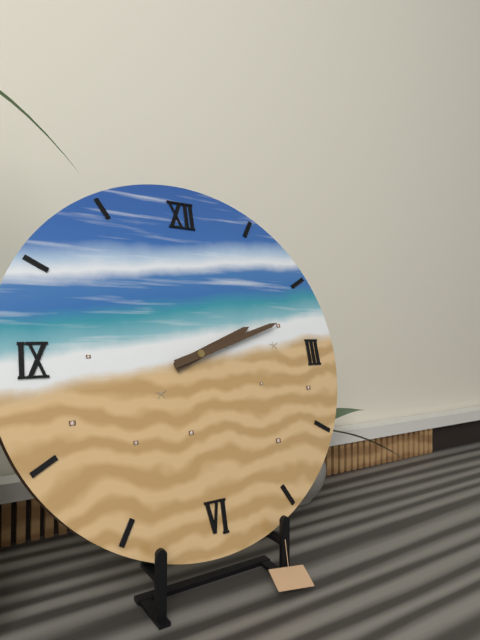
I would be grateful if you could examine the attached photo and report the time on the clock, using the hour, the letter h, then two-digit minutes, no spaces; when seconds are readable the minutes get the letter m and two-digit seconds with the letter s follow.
2h12
